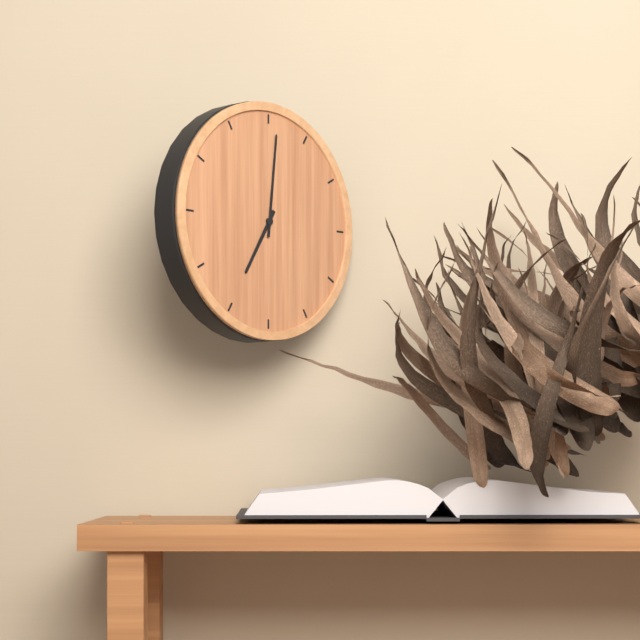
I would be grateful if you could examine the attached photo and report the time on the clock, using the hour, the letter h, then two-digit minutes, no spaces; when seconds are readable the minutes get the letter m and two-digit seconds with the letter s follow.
7h01
